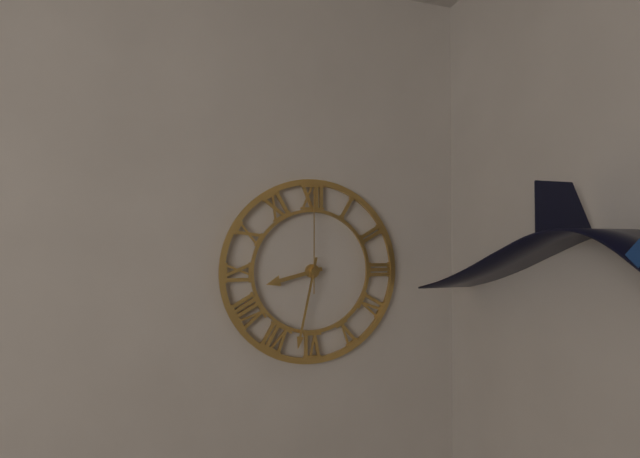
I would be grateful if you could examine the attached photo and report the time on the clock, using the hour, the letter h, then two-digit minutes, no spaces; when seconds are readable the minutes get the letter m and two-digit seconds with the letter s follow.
8h32m00s
